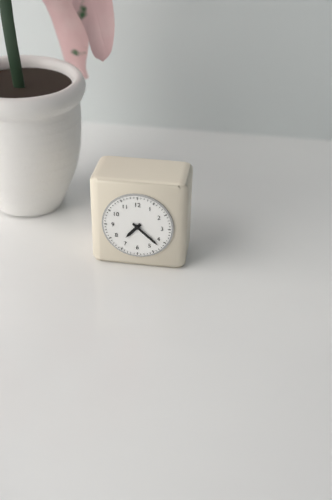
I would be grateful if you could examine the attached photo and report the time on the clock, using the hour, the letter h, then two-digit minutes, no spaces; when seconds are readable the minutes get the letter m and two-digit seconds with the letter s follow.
7h22
